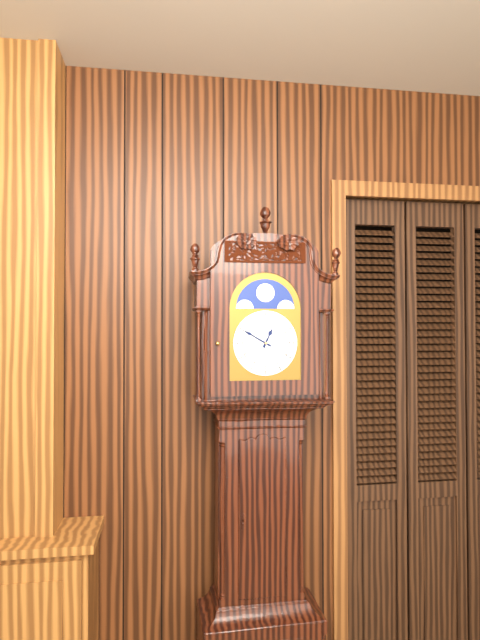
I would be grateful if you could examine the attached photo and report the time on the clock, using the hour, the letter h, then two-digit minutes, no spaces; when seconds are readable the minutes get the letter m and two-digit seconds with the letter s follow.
12h50
